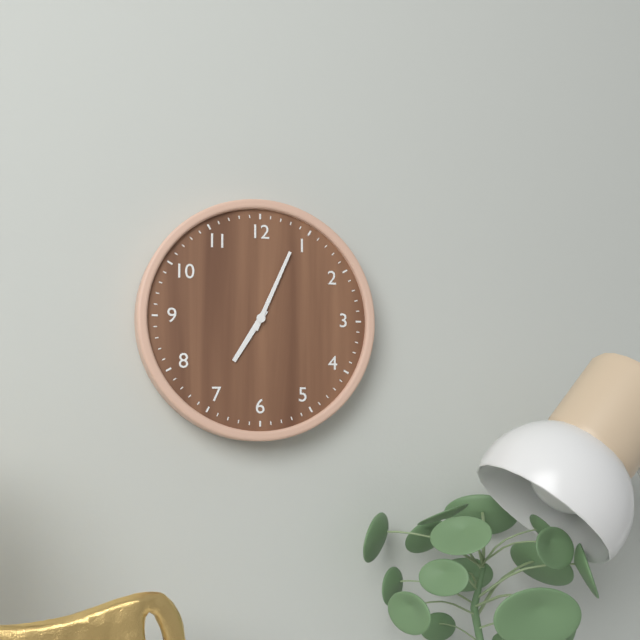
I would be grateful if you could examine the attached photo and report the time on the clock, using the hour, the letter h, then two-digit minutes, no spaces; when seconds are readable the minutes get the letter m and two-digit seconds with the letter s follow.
7h04
